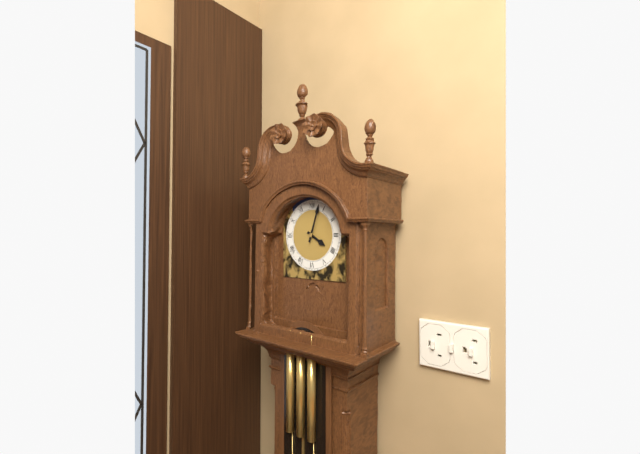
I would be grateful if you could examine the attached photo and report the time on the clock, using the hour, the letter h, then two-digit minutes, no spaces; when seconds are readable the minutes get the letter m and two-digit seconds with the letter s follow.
4h03
